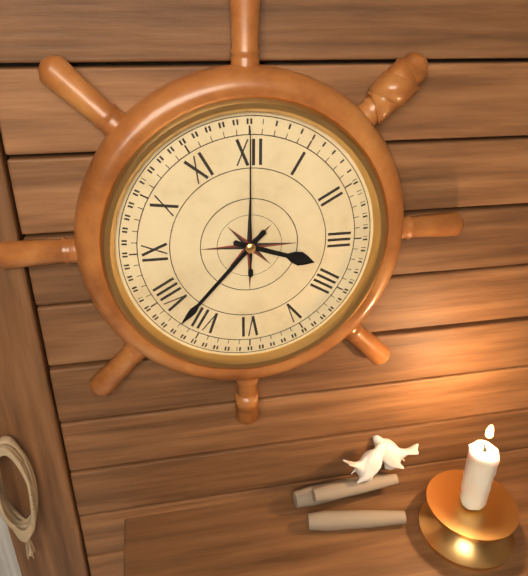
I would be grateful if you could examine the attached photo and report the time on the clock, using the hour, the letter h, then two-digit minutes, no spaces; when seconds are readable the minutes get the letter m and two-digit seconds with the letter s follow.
3h37m00s
